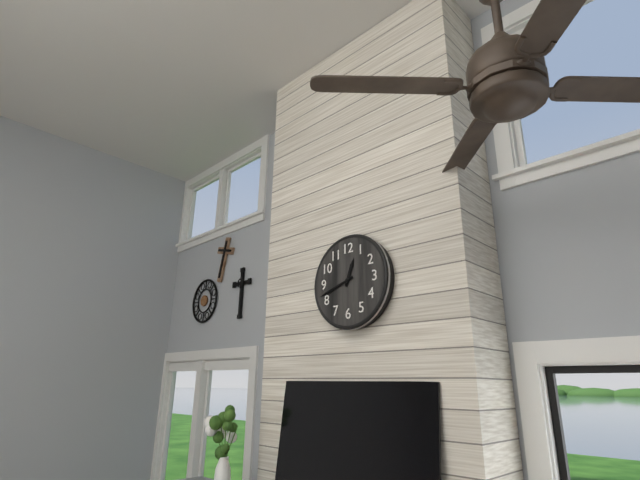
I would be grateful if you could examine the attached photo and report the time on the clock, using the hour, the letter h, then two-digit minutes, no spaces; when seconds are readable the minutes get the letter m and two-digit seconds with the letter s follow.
12h42
